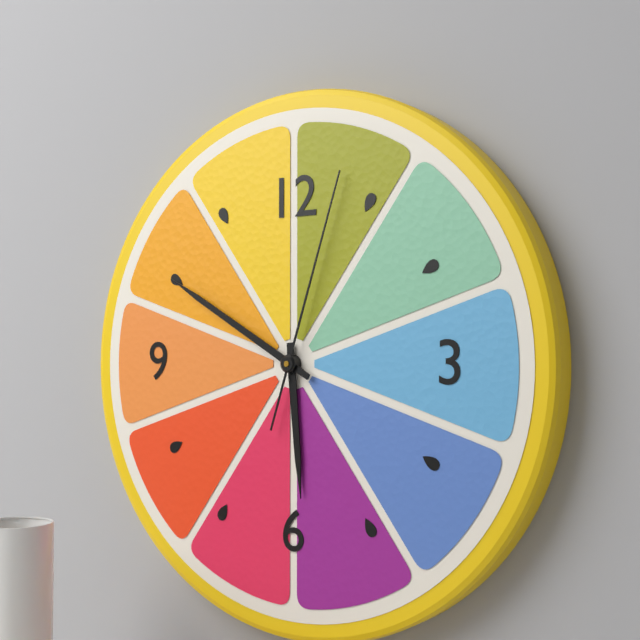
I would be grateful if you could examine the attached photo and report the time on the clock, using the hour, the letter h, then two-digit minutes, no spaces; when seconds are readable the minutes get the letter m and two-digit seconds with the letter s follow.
5h50m03s
